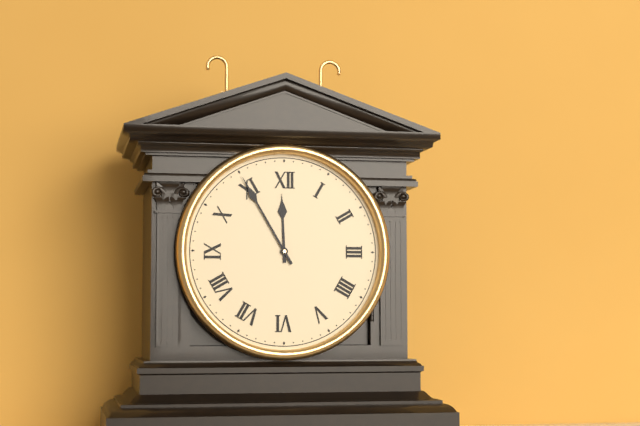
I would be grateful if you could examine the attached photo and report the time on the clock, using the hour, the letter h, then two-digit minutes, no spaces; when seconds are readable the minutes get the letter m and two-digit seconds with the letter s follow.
11h55
